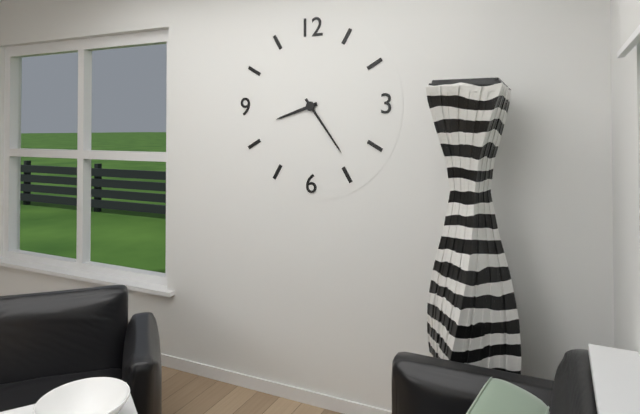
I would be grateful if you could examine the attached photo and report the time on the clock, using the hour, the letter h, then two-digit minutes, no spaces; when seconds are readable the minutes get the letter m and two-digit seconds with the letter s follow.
8h24
